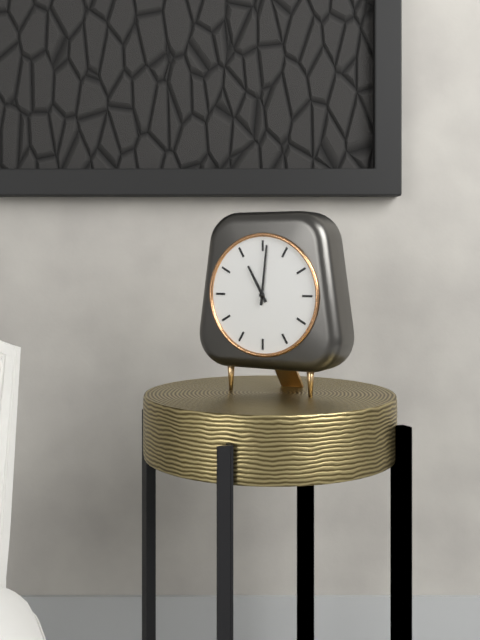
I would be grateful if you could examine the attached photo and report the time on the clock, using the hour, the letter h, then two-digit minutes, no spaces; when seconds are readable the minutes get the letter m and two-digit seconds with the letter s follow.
11h01
